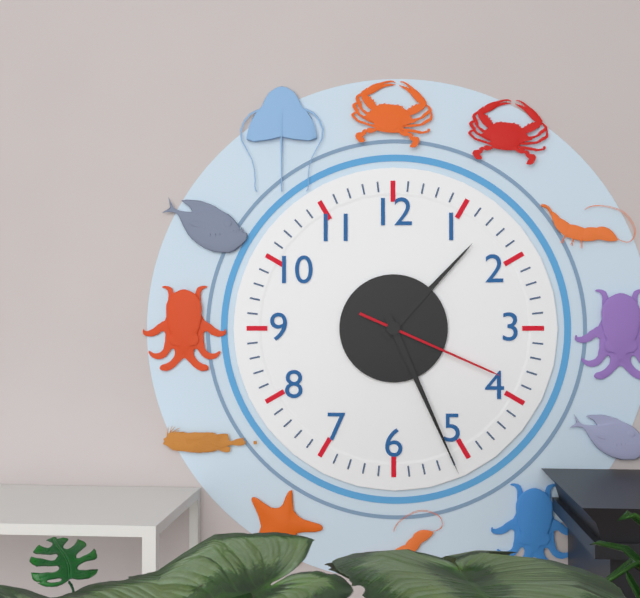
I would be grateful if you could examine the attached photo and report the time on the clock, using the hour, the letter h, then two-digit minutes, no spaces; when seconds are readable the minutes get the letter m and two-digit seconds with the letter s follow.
1h26m19s
